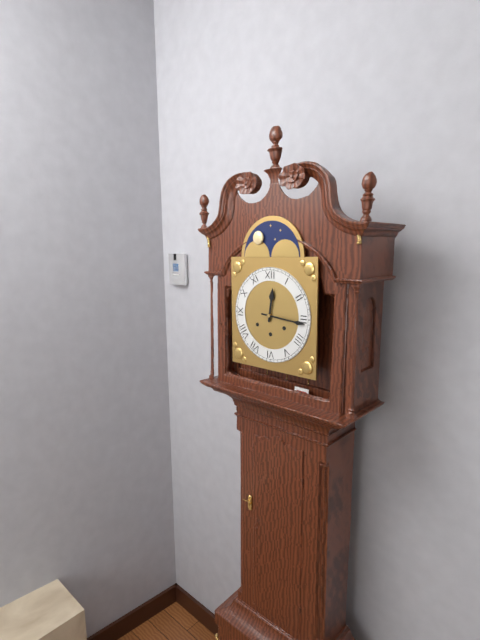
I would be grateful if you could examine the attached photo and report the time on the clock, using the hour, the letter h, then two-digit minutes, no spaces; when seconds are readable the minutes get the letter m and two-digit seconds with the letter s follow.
12h16
